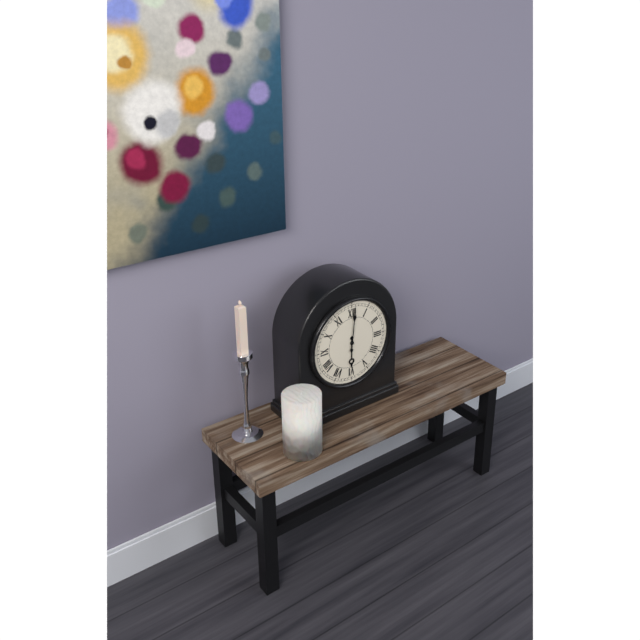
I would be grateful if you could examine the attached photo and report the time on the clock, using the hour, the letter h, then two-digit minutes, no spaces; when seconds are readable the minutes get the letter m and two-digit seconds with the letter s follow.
6h01
